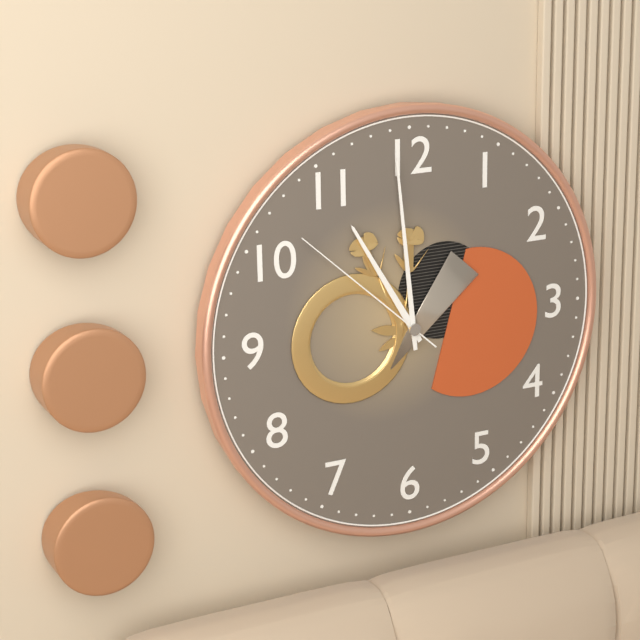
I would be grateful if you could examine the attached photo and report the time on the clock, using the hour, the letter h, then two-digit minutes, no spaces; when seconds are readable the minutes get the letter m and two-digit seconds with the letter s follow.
10h59m52s
